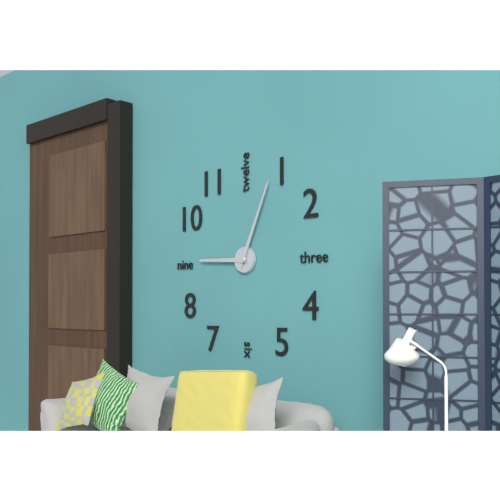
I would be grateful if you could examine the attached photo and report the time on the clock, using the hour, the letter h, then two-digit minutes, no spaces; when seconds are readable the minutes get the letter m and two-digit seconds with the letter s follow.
9h04
